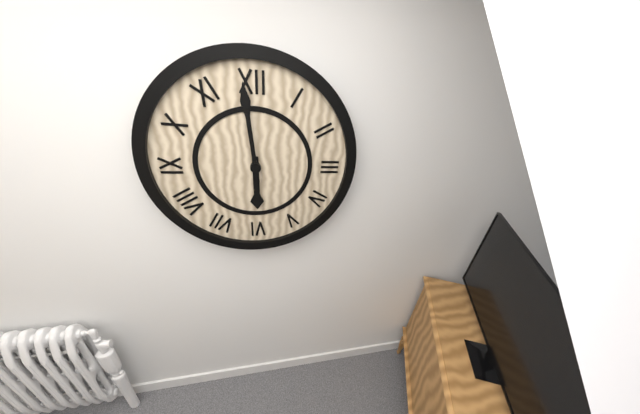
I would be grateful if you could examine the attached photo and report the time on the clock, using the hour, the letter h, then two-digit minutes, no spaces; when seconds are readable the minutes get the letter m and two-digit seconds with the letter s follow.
5h59
